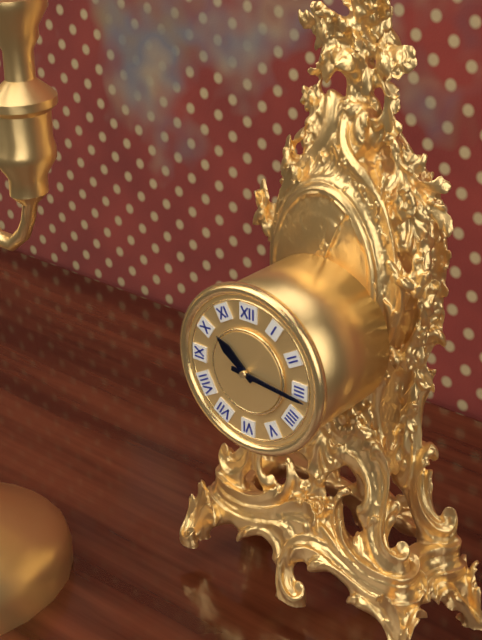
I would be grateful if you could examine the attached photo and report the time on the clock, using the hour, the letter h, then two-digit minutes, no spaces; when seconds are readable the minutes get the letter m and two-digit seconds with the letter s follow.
10h16
